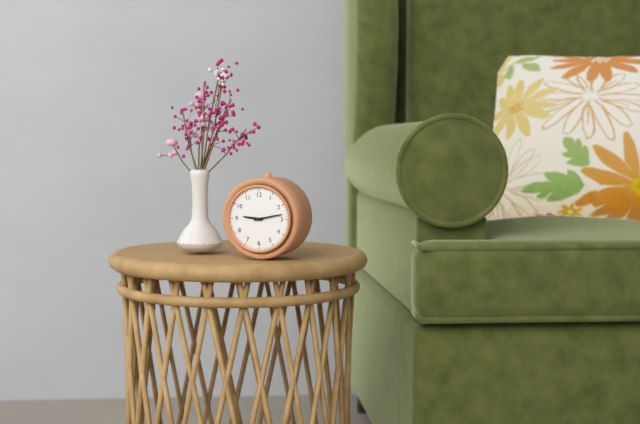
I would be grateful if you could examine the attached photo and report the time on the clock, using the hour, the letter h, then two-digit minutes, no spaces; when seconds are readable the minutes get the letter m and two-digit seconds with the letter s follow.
9h13
